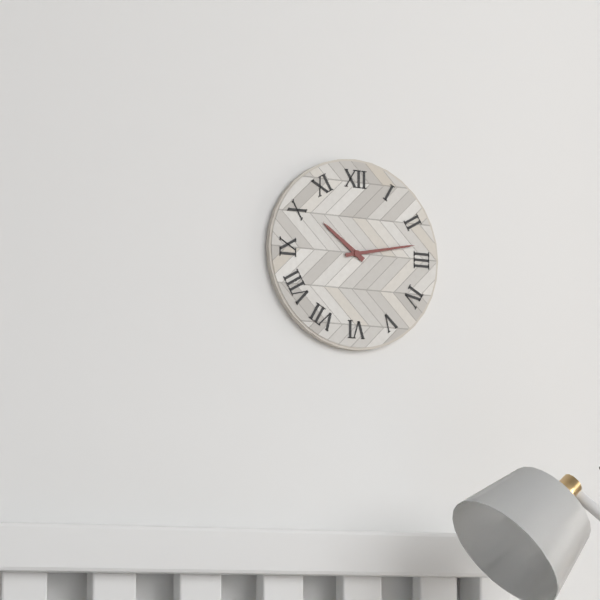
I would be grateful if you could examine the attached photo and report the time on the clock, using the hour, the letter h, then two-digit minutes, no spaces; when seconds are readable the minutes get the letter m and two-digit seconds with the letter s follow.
10h13
